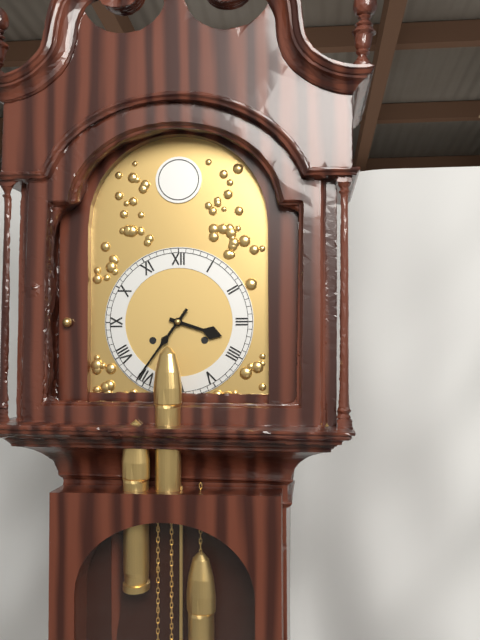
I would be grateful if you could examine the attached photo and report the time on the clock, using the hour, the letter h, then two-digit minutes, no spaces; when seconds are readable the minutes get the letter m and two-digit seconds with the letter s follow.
3h36
